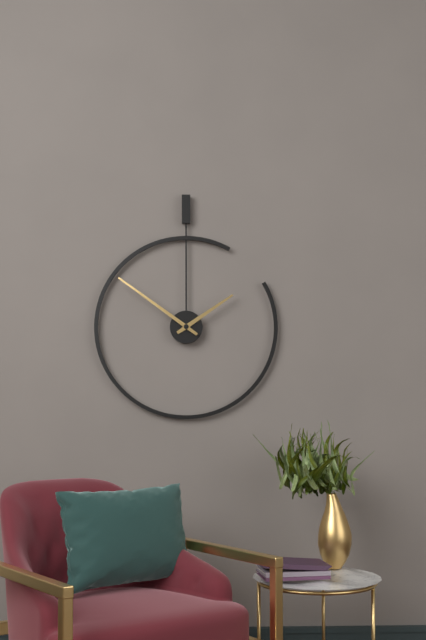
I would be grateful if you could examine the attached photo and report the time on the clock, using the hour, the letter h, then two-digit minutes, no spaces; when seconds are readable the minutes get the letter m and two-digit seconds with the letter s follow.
1h51
